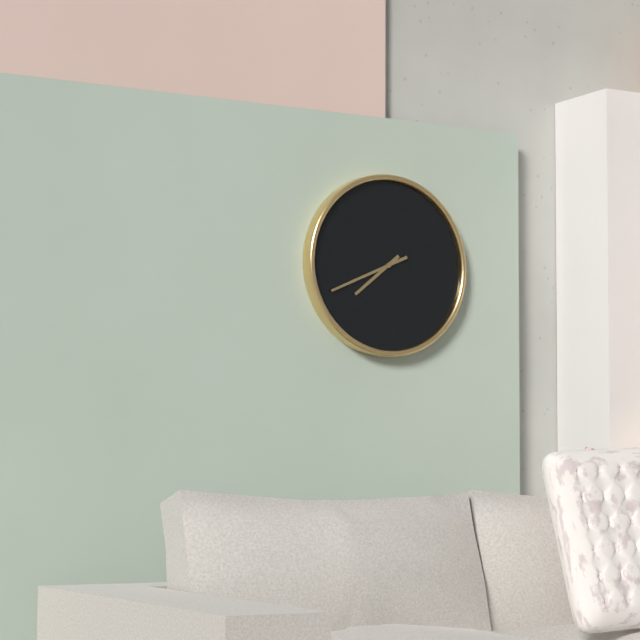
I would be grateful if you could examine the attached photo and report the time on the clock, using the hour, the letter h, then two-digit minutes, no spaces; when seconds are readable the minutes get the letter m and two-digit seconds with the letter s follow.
7h41
